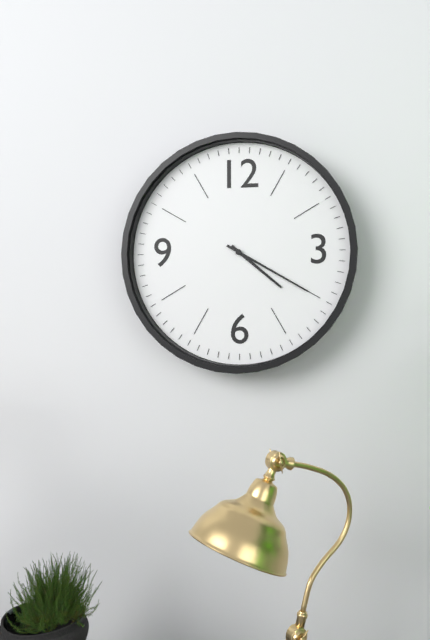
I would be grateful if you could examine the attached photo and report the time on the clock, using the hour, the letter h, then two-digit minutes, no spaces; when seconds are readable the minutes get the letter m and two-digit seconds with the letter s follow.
4h20
